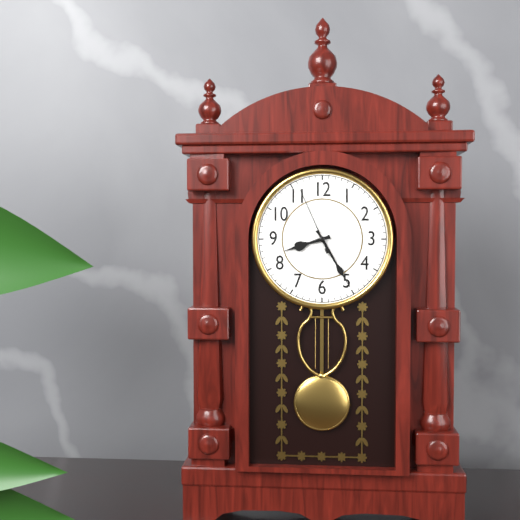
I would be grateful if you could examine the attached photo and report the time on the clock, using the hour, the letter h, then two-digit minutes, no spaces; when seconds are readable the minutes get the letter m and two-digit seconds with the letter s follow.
8h25m56s
